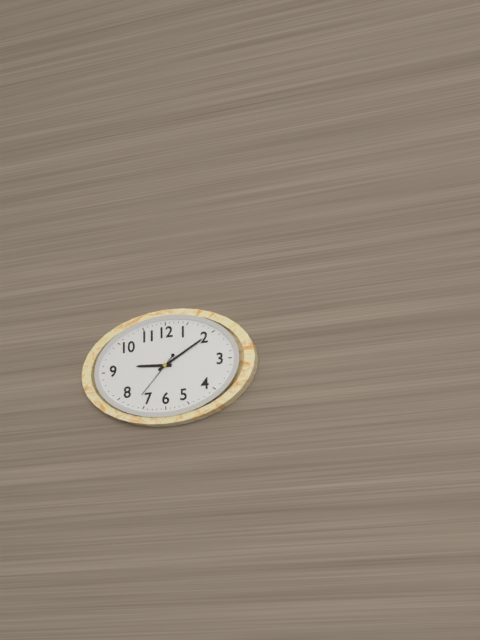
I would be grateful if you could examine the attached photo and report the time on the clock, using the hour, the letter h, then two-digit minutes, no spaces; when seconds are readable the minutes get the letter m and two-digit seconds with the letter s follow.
9h10
